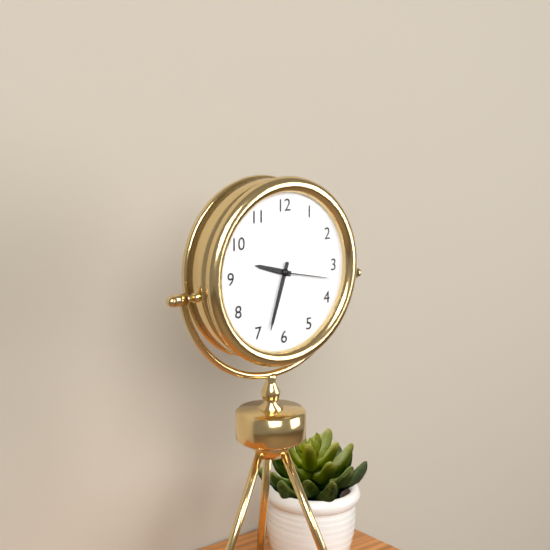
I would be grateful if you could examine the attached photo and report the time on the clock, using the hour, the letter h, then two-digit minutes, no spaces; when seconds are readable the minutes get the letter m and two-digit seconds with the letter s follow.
9h33m17s
